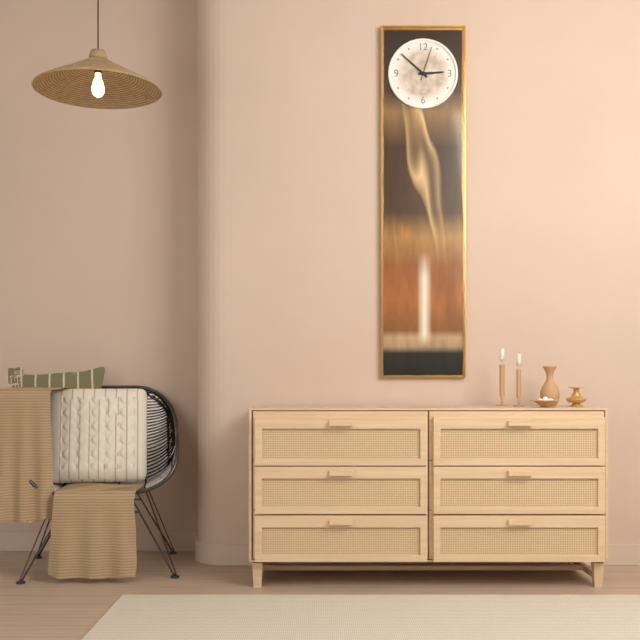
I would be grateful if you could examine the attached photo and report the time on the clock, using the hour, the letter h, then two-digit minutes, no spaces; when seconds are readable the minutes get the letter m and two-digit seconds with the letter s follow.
2h52
